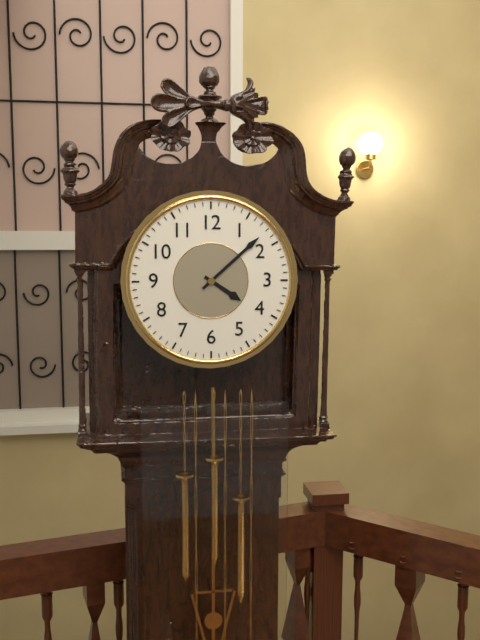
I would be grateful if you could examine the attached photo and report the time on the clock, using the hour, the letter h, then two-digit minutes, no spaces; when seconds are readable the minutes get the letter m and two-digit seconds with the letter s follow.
4h08
